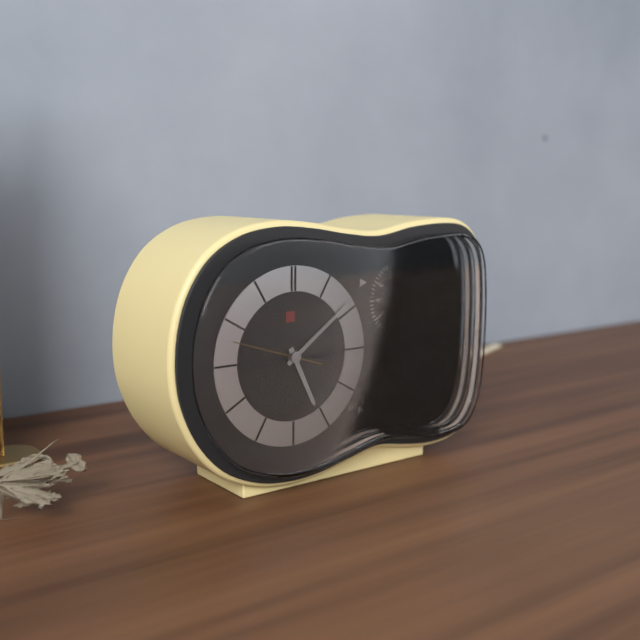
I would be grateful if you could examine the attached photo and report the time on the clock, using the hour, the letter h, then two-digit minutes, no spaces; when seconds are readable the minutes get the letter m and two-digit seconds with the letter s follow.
5h09m48s
